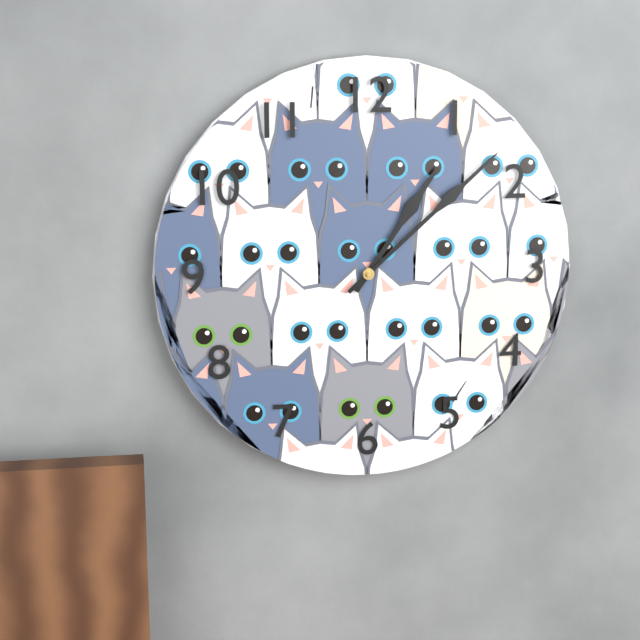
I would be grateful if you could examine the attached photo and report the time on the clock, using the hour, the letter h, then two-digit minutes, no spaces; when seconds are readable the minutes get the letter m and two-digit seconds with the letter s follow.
1h08
